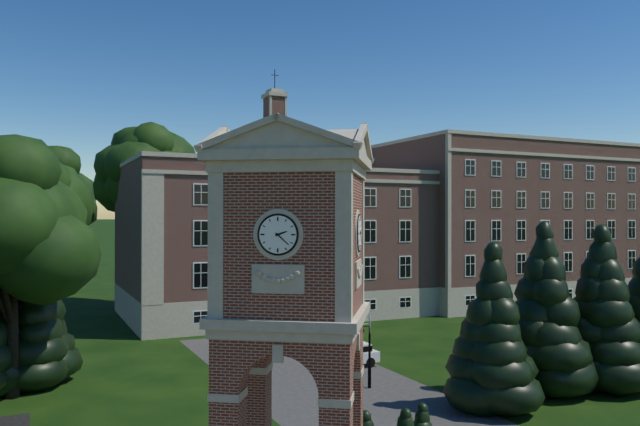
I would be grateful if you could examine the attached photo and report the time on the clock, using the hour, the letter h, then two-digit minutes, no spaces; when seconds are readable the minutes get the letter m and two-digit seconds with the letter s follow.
2h22
